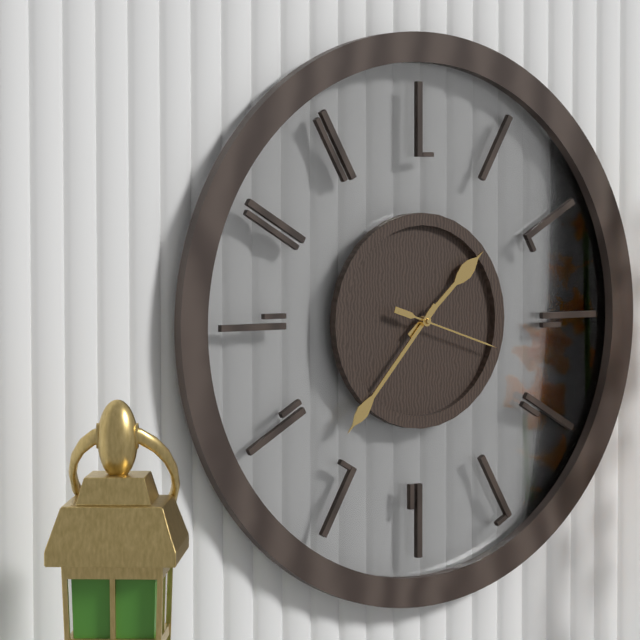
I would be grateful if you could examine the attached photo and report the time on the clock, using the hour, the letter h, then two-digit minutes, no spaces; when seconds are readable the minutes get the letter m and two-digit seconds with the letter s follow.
1h37m18s
